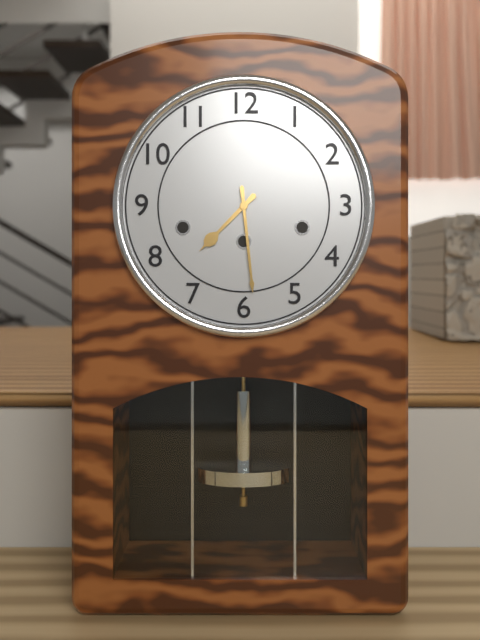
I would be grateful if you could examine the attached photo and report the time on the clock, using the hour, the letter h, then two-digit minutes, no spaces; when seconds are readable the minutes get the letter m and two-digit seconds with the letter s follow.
7h29
